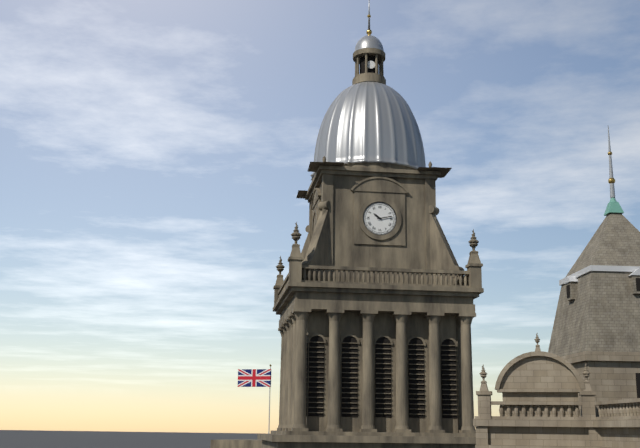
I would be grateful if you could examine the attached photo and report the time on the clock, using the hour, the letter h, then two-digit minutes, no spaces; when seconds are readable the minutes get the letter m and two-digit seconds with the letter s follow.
10h13
